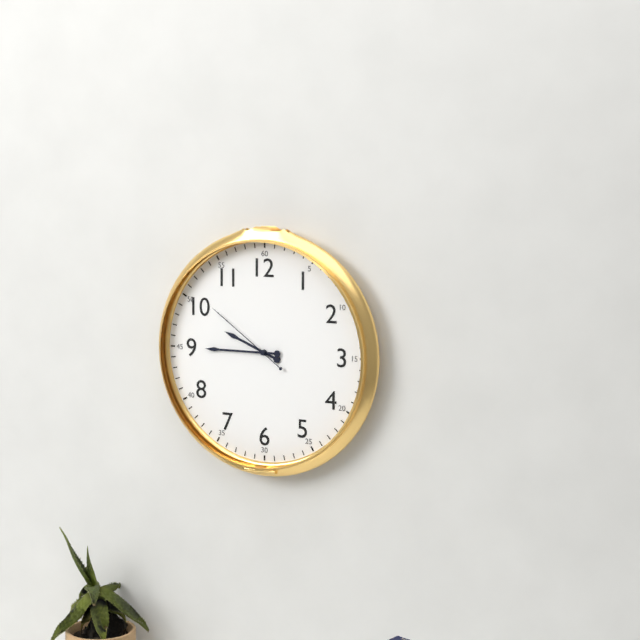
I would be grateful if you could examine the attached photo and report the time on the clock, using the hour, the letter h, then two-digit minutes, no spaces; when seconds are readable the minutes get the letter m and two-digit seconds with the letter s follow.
9h45m51s
